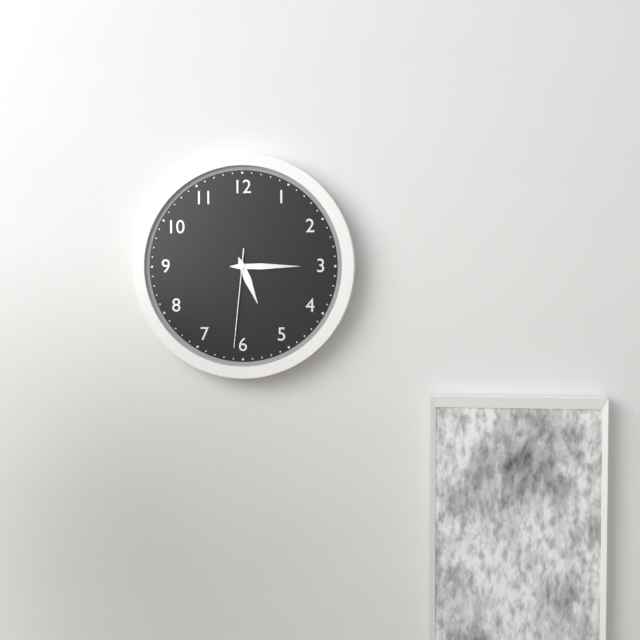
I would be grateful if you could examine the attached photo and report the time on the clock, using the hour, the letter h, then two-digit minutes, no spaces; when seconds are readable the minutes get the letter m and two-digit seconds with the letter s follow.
5h15m31s
